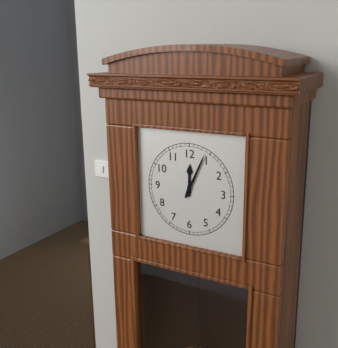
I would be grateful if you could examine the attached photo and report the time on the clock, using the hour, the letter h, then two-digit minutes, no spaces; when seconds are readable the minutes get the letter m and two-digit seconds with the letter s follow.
12h04
